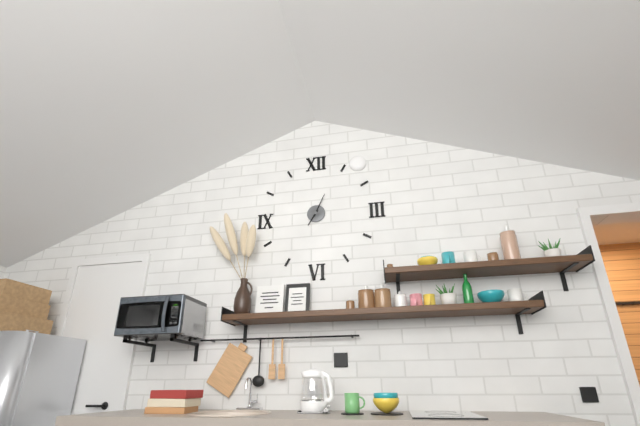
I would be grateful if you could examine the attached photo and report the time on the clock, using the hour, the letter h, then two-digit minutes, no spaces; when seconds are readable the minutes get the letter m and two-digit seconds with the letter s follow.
7h04
